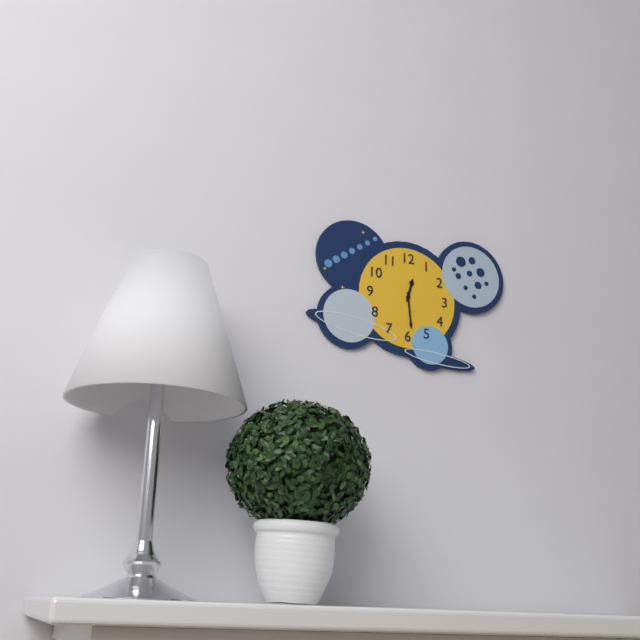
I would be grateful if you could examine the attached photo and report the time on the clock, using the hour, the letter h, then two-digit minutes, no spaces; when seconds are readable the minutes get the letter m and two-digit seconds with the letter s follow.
12h29
